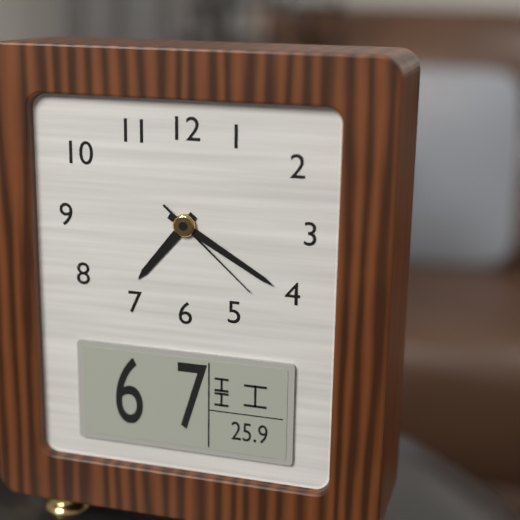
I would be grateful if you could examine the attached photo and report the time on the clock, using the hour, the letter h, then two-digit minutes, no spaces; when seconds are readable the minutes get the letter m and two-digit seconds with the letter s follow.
7h20m22s
